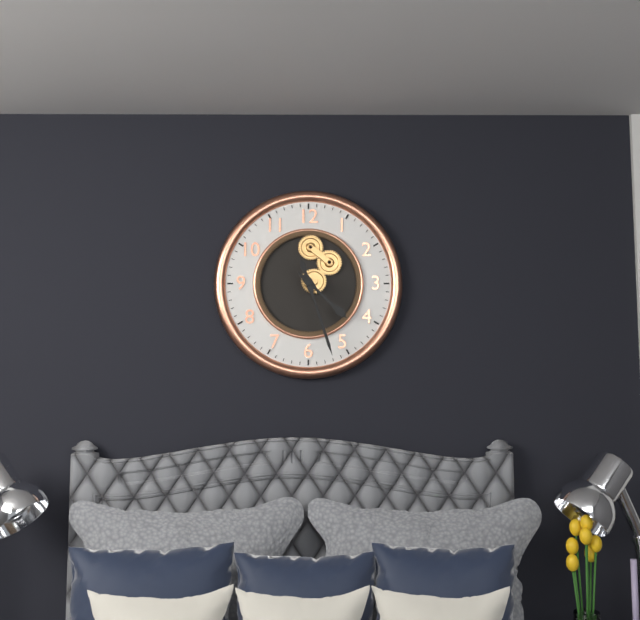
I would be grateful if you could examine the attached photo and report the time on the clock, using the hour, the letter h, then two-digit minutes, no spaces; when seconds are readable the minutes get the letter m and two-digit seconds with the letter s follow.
4h27
